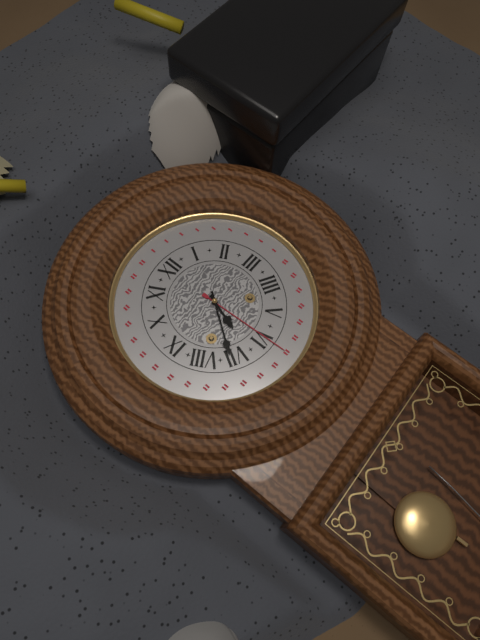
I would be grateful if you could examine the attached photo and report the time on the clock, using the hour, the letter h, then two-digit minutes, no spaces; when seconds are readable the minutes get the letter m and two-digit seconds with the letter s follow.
6h36
